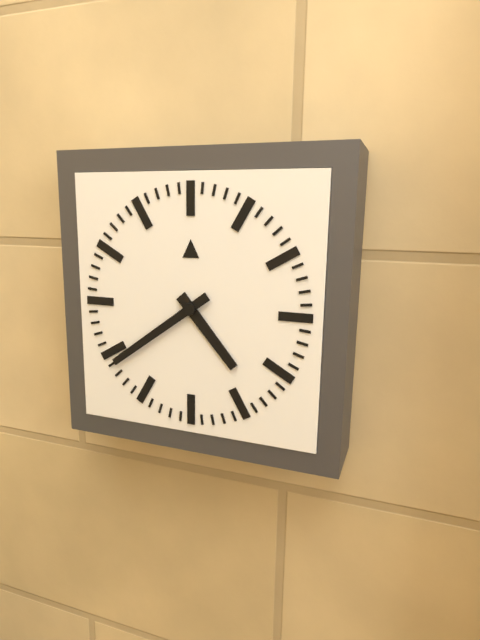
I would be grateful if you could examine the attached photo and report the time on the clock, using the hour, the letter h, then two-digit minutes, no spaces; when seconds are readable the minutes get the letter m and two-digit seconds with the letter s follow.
4h39
